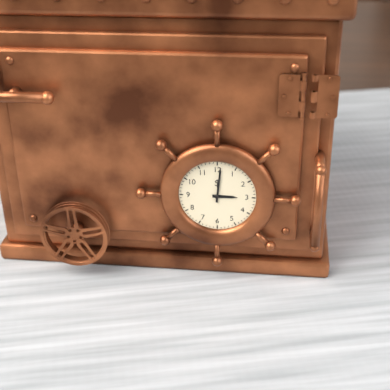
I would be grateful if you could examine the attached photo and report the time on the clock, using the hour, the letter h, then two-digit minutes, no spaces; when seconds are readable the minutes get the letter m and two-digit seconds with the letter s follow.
3h01
